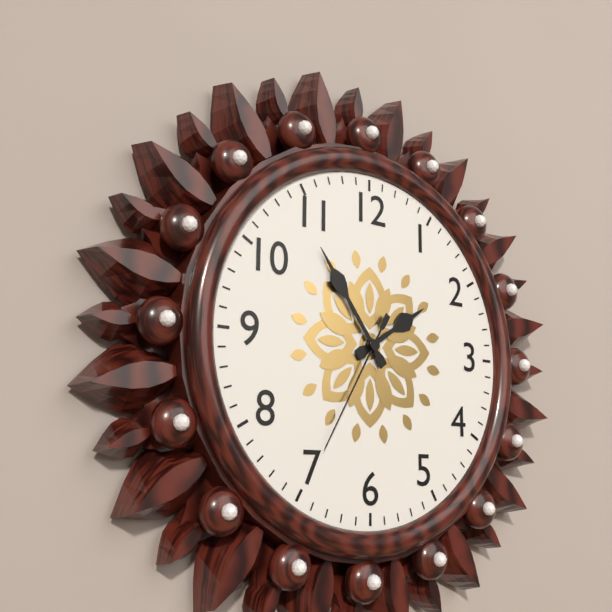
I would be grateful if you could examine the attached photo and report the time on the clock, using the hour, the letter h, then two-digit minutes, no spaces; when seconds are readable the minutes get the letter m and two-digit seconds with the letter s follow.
1h54m35s
